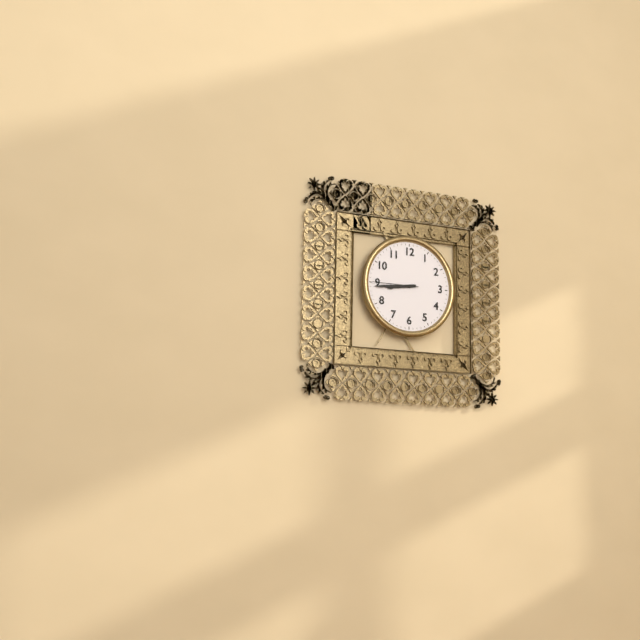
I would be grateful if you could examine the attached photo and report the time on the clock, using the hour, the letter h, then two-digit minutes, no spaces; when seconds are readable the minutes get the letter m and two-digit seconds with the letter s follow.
8h44
